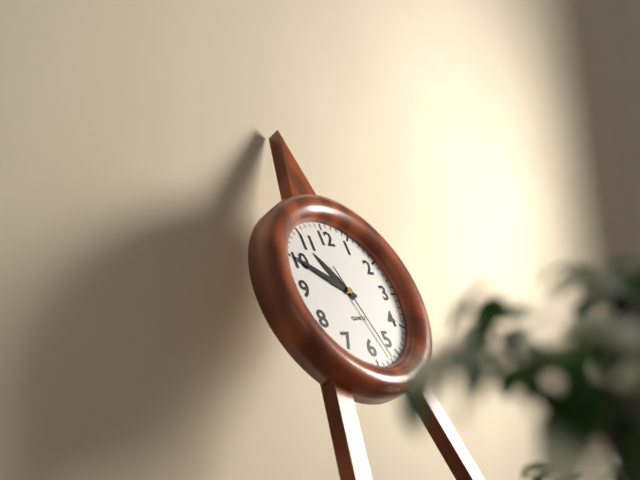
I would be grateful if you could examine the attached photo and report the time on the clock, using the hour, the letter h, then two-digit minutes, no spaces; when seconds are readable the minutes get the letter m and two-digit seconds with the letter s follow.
10h50m27s
